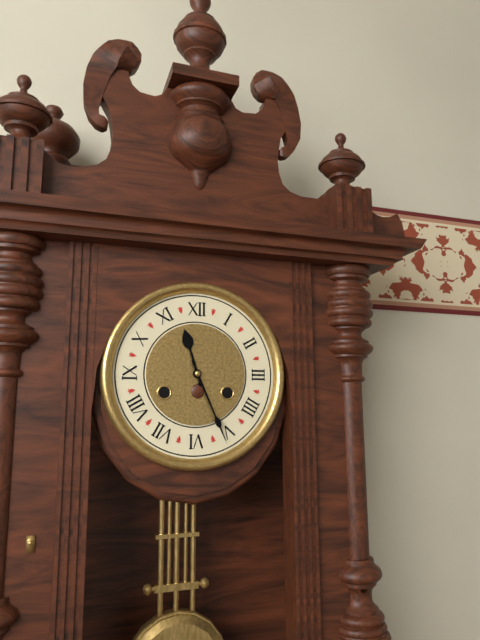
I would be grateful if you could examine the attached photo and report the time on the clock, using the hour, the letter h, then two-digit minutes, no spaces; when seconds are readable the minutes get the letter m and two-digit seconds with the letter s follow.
11h26
